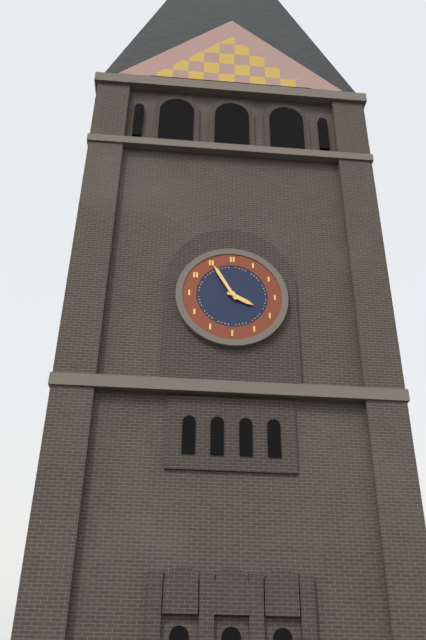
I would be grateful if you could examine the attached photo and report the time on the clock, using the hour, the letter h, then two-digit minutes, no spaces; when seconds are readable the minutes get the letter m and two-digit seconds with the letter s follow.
3h55
